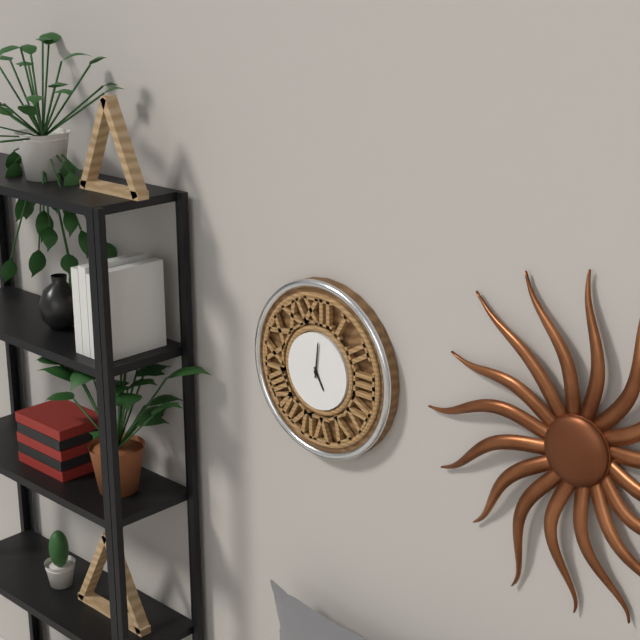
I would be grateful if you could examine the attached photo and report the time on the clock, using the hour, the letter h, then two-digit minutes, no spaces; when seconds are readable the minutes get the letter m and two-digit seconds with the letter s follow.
5h01
